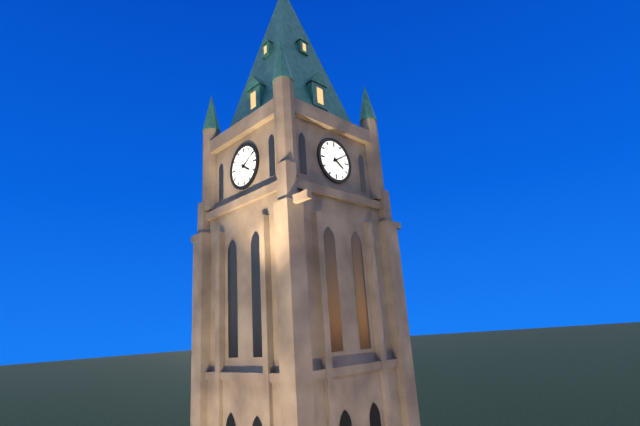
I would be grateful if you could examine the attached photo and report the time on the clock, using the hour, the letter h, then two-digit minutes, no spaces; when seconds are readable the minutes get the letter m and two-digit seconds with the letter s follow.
4h10
